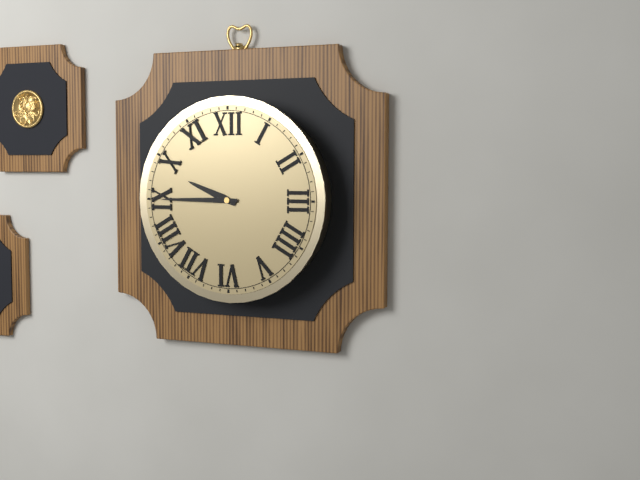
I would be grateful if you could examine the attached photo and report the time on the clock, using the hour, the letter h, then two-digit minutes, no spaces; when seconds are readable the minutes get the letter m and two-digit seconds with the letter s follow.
9h45
